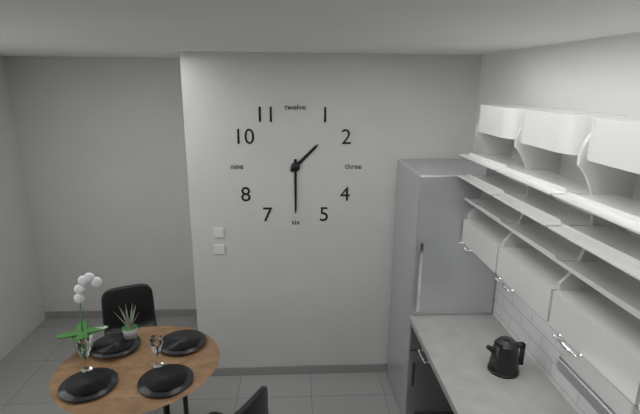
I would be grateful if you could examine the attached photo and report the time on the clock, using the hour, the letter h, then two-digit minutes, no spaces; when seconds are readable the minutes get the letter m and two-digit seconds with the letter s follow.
1h30
